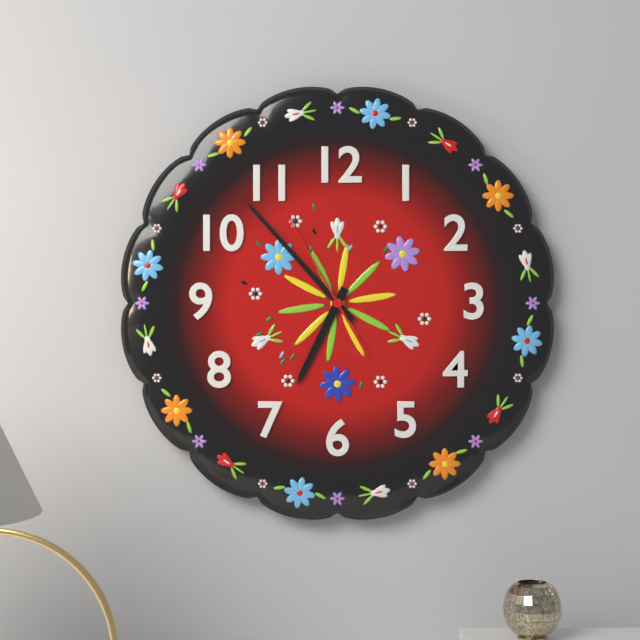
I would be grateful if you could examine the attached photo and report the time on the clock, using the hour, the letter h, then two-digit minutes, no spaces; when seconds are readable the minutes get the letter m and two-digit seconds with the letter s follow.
6h53m55s
